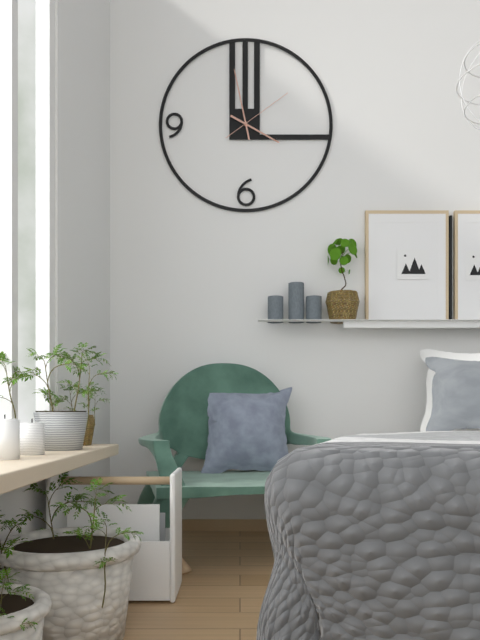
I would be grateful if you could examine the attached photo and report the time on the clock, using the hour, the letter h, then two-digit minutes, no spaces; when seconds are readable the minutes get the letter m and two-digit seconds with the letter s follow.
3h58m09s
